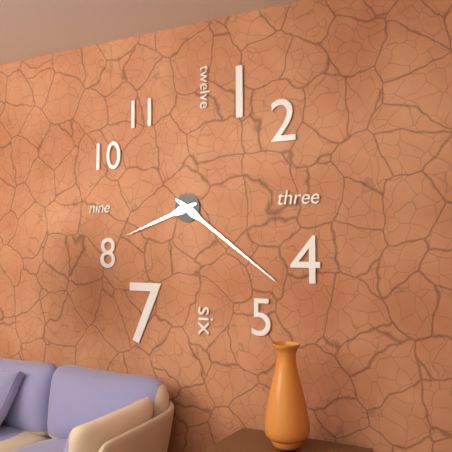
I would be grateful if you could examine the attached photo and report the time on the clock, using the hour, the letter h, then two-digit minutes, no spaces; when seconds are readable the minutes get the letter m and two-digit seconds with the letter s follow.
8h21
